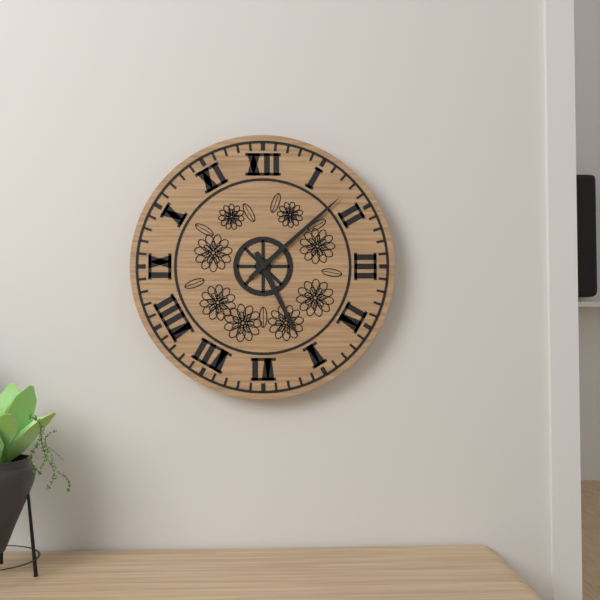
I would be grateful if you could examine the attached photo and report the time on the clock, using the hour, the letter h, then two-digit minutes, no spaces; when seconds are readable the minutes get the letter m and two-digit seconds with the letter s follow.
5h08
